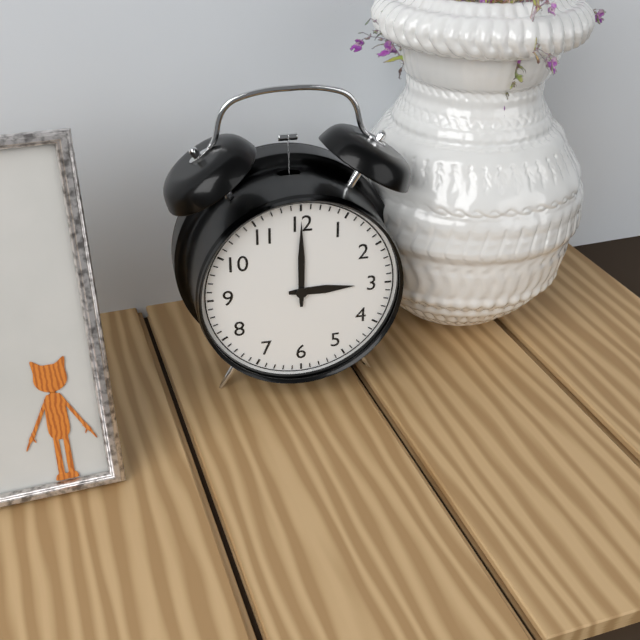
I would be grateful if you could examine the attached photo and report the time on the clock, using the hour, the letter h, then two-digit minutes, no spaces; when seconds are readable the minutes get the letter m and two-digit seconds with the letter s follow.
3h00
